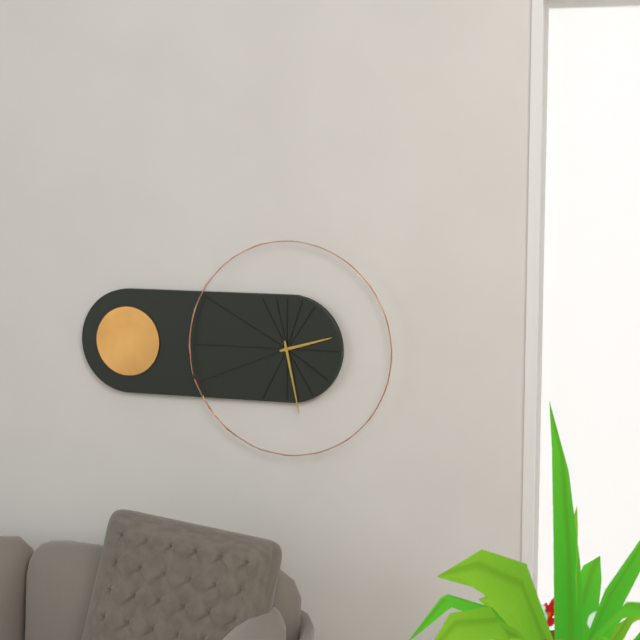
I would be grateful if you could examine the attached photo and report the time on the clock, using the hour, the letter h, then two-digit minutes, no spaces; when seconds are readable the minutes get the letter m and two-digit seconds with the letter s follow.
2h28
